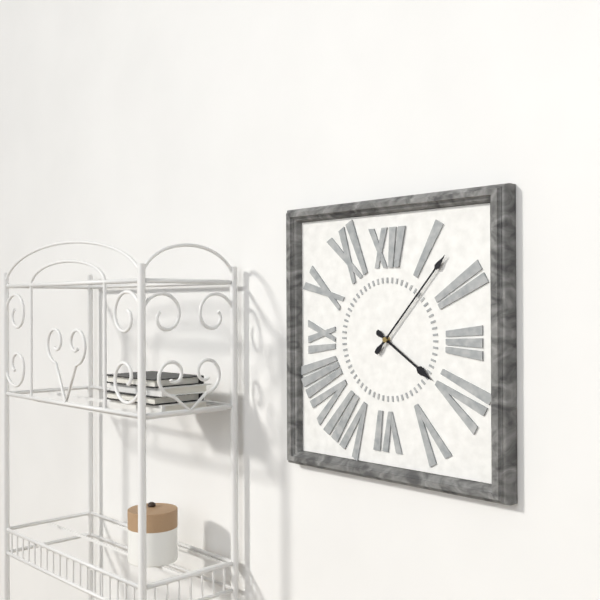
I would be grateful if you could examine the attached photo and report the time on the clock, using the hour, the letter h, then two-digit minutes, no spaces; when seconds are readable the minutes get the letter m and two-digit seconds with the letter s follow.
4h07
